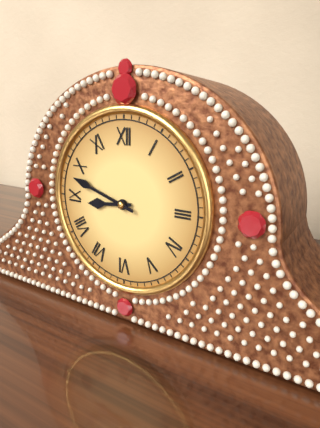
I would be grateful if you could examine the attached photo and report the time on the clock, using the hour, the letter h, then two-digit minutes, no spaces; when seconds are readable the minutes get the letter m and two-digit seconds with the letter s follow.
8h48
